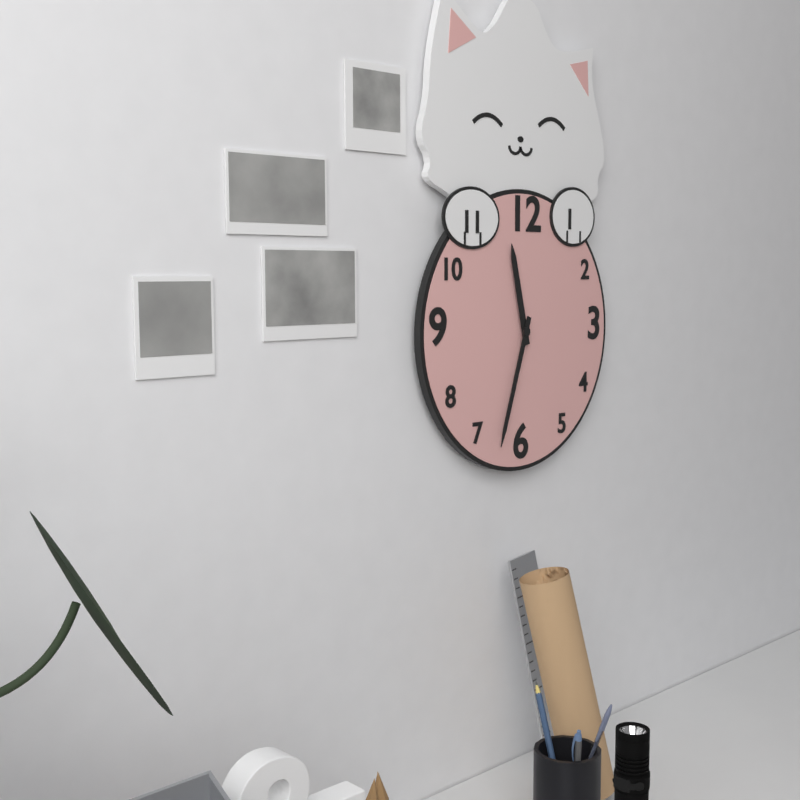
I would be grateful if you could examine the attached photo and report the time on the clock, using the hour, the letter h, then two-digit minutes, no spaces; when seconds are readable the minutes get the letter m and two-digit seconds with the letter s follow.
11h33
